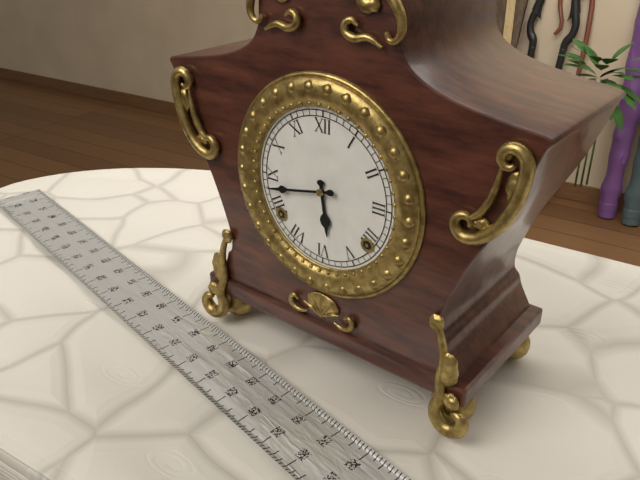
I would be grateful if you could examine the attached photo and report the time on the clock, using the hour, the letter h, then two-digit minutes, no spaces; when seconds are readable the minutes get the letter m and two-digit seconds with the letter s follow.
5h43
